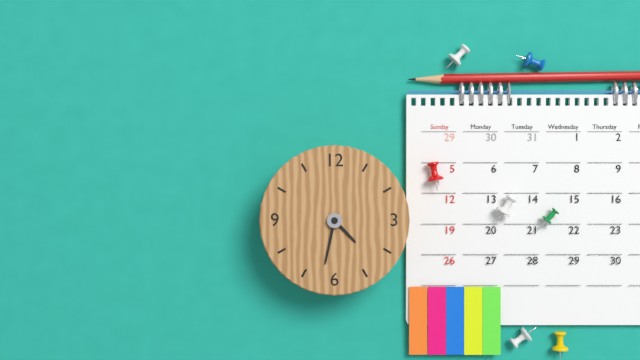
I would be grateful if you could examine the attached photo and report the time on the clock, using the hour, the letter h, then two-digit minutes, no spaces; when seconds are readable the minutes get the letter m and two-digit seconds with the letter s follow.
4h32
